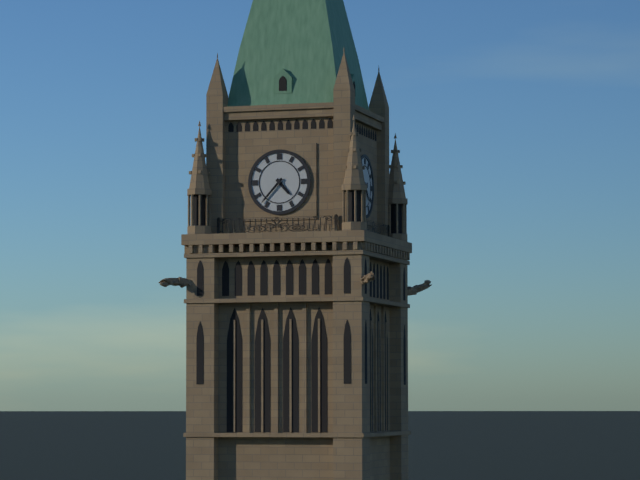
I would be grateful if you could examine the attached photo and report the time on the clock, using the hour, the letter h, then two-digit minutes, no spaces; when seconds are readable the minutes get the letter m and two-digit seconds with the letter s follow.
4h37
